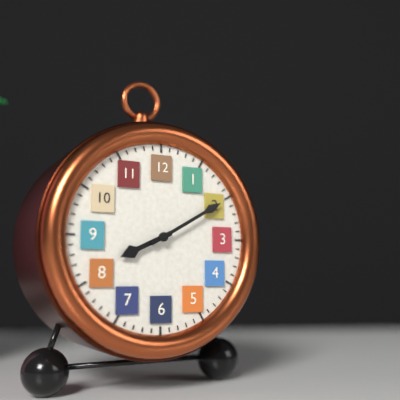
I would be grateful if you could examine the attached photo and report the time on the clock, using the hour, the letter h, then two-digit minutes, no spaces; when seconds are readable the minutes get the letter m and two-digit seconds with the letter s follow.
8h10
